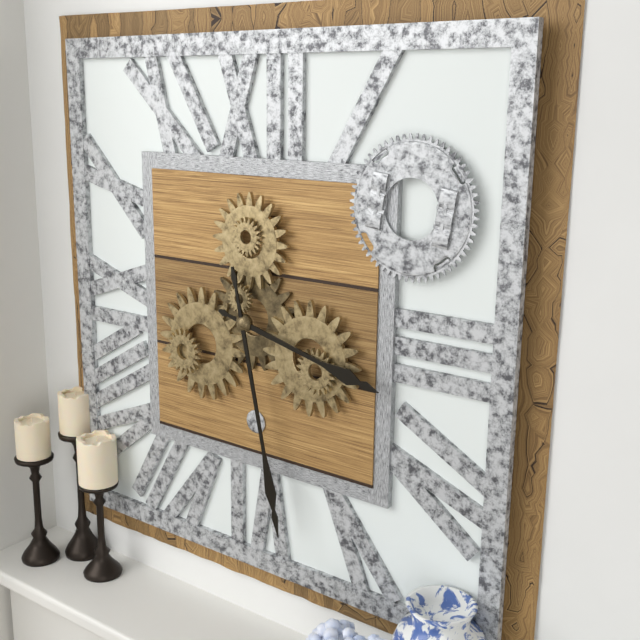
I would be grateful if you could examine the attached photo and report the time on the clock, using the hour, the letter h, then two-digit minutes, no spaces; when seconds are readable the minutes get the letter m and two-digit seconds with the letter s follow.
3h28
